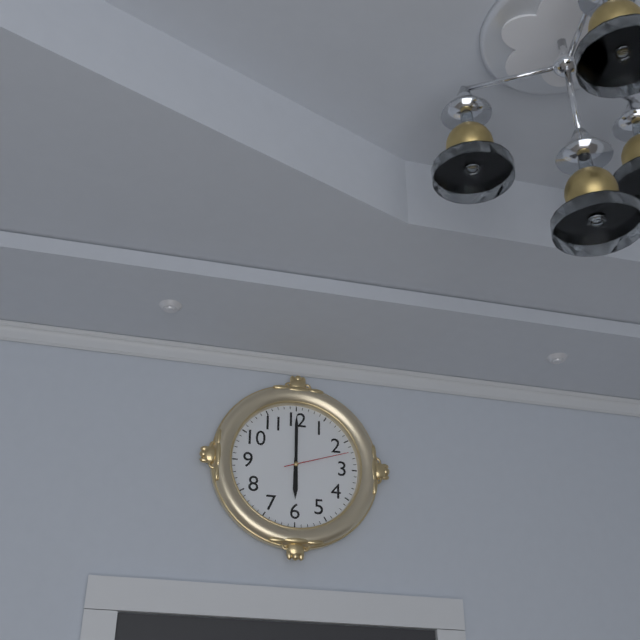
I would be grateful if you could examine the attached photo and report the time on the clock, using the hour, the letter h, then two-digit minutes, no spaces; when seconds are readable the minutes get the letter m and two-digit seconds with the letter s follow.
6h00m12s
